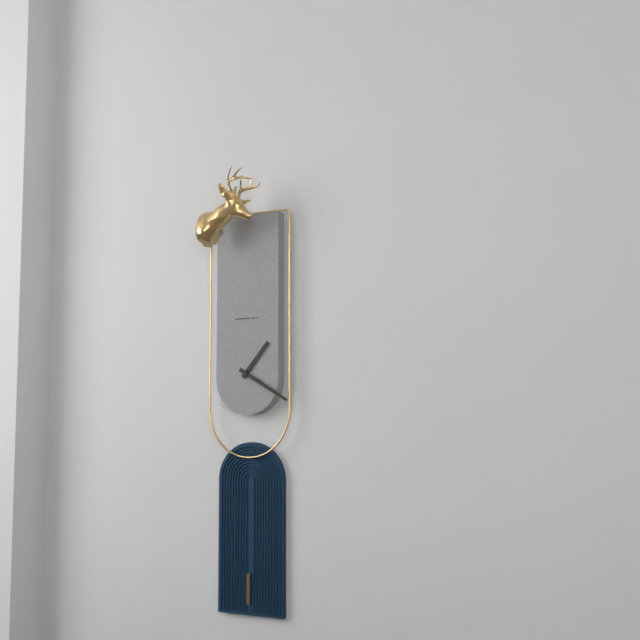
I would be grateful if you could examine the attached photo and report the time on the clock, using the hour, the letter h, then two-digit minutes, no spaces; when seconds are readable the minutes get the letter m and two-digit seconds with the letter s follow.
1h20
